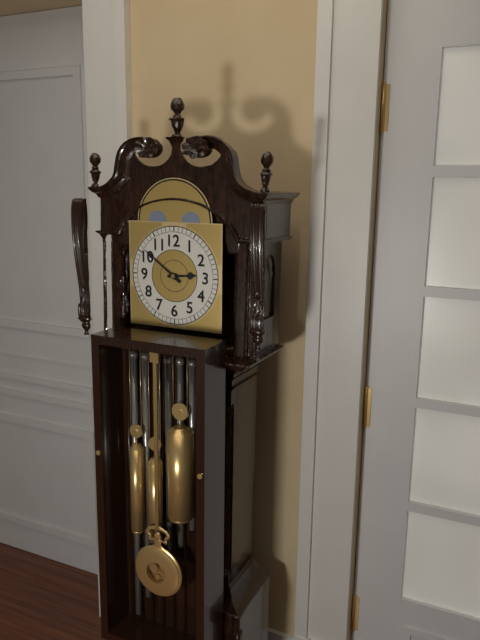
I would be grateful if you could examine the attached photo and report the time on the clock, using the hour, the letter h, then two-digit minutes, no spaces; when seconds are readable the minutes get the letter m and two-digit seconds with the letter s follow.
2h51
